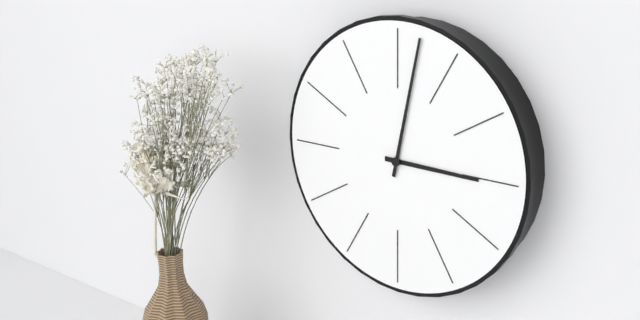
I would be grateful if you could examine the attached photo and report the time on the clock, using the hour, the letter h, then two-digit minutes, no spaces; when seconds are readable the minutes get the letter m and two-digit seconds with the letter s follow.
3h02
